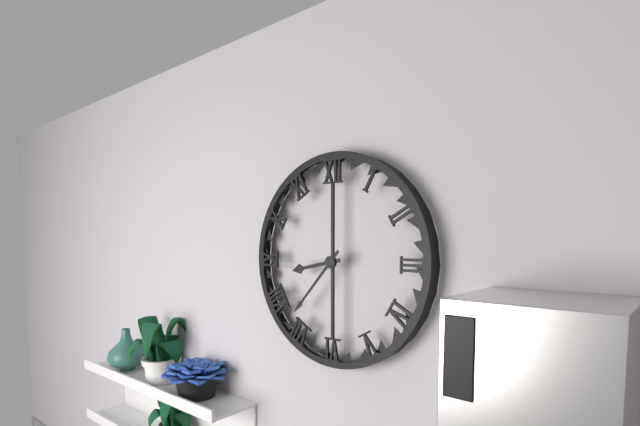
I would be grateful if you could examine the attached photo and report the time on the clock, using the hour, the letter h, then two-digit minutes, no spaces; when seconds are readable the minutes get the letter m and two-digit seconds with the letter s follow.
8h37
